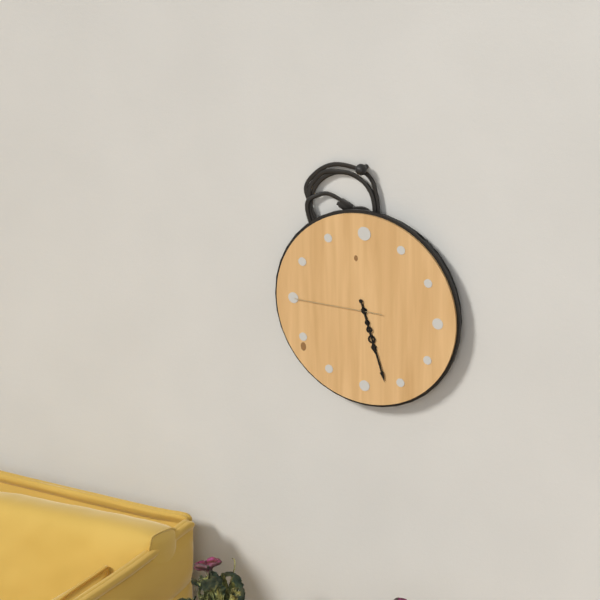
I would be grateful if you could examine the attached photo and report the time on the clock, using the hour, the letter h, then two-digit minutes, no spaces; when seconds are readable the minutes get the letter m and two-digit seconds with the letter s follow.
5h27m45s
